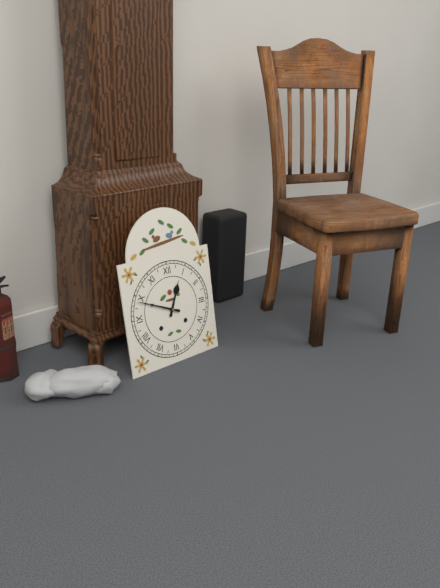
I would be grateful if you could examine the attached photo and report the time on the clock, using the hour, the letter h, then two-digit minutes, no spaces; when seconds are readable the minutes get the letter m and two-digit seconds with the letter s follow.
12h49
